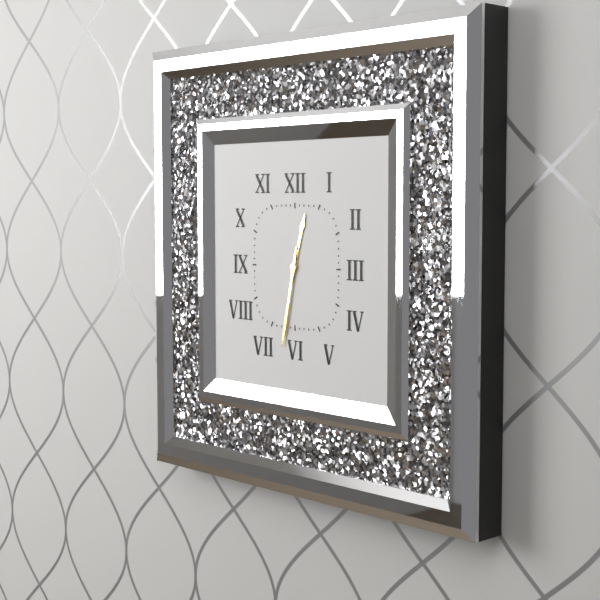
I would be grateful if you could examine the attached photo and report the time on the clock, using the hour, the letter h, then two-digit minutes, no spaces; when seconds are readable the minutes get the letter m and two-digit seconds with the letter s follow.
12h32
